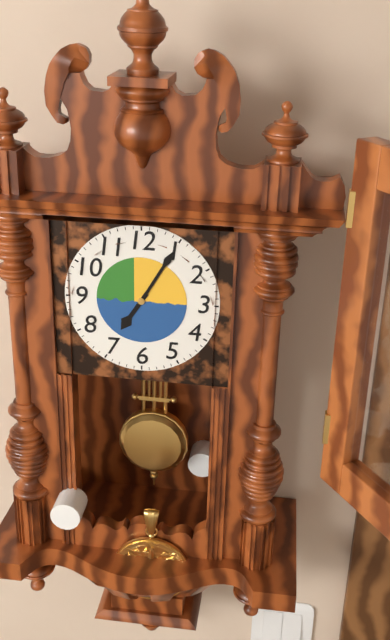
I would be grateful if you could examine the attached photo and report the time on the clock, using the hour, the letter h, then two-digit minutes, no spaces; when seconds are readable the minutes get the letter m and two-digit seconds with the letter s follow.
7h05
